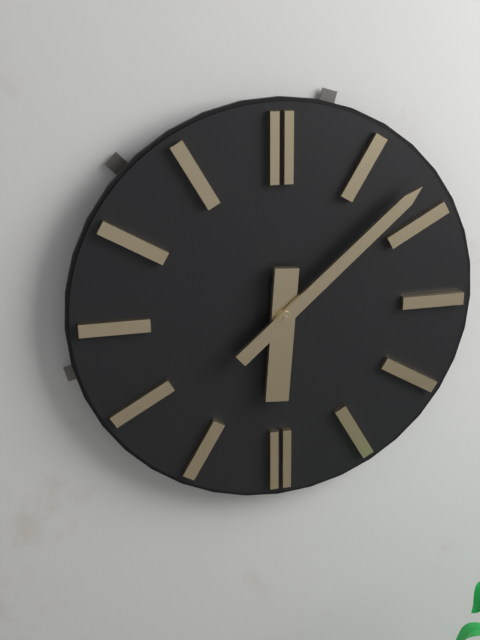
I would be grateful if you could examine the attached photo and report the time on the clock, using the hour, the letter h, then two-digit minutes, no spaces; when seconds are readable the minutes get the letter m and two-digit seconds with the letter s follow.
6h08
